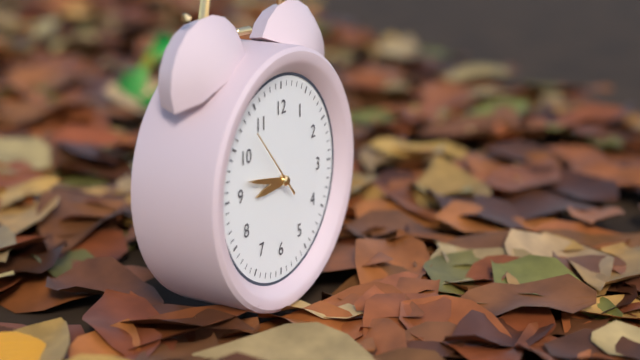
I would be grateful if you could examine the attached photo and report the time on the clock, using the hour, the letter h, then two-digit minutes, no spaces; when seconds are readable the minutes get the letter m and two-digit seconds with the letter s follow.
8h47m53s
